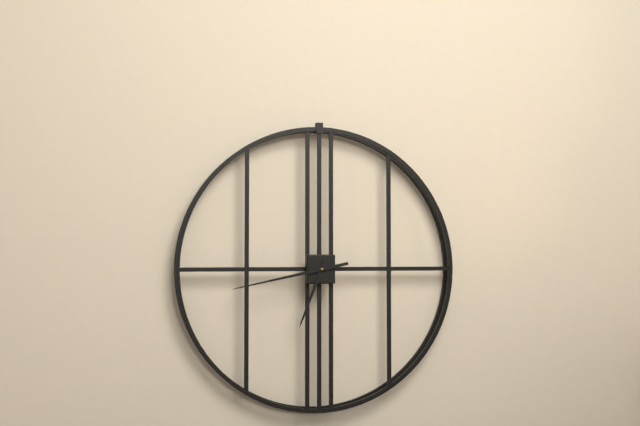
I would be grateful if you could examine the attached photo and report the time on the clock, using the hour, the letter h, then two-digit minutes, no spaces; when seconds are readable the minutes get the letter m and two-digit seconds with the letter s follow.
6h43
